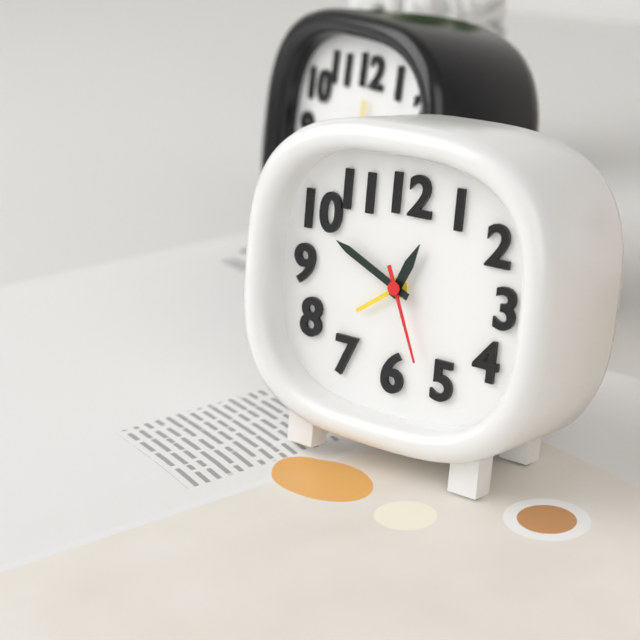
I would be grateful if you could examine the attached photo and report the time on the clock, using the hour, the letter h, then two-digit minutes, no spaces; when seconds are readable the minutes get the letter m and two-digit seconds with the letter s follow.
12h49m26s
